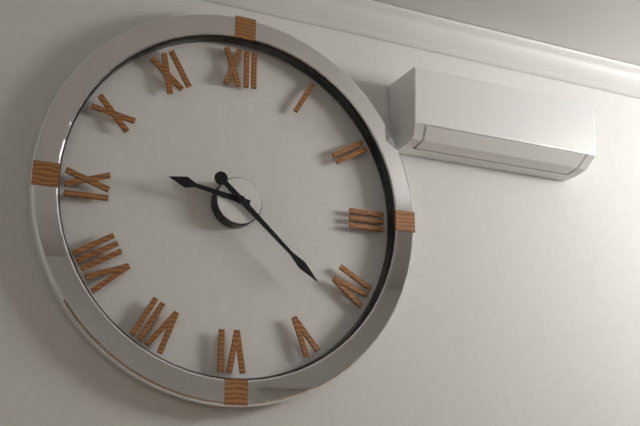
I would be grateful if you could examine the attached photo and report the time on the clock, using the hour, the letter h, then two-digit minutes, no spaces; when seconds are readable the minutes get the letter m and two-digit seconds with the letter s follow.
9h22
